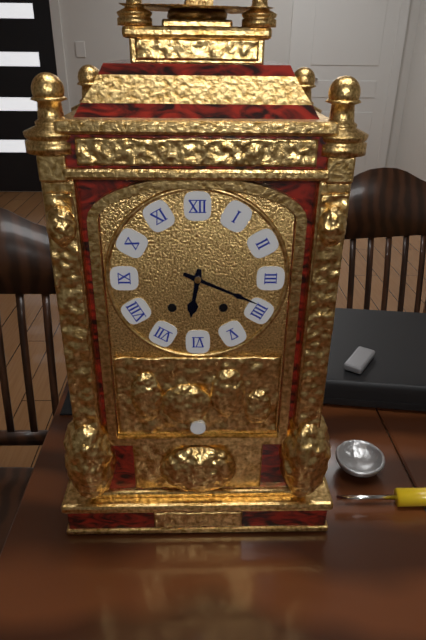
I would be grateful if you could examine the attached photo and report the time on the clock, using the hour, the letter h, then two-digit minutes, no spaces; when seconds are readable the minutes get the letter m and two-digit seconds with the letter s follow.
6h19
